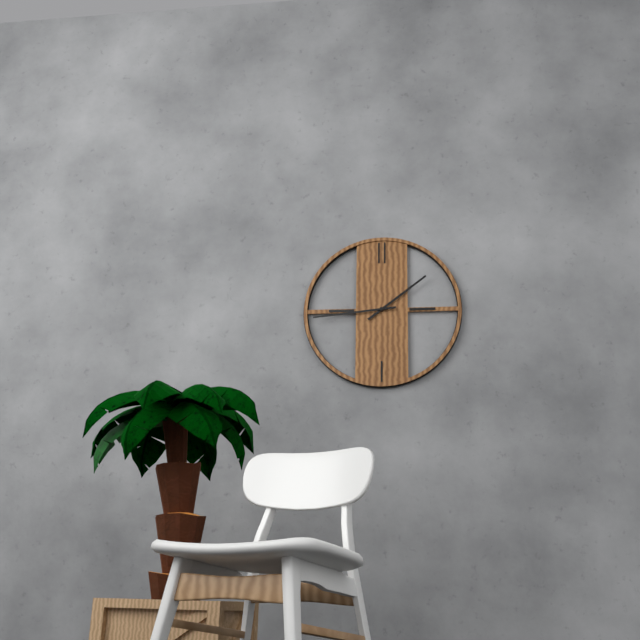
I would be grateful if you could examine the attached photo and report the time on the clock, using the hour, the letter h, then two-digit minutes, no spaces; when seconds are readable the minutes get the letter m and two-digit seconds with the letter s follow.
1h44
